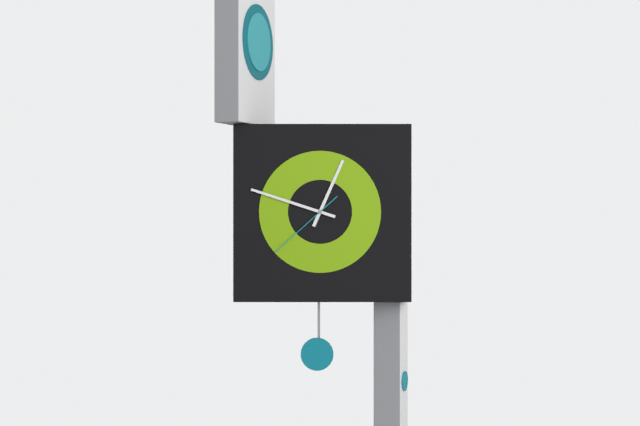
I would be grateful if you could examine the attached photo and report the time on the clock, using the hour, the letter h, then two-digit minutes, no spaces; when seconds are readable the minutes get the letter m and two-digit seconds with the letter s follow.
12h48m38s
